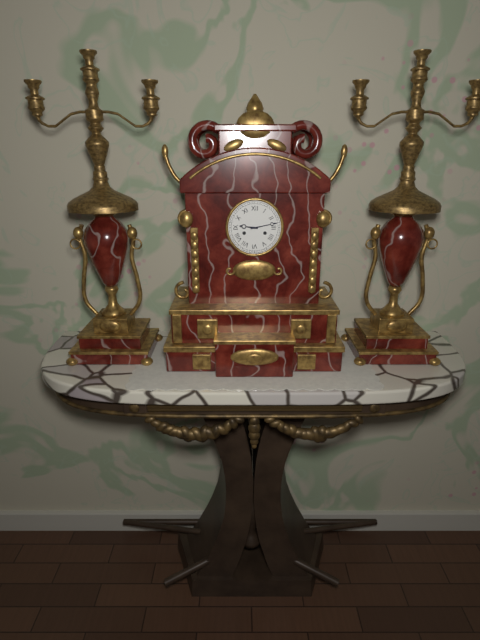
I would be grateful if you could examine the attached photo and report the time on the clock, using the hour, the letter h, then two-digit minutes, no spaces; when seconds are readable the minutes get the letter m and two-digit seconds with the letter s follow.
9h13
